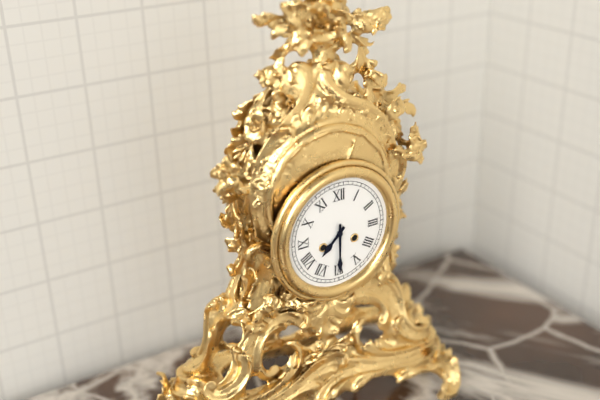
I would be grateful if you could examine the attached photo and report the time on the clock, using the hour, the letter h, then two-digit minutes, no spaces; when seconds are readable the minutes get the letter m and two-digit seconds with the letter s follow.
7h30
